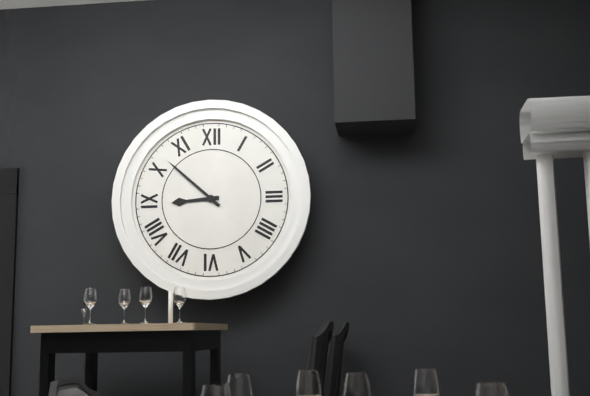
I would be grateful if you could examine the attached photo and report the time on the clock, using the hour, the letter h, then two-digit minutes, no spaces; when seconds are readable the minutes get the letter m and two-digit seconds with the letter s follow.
8h52
